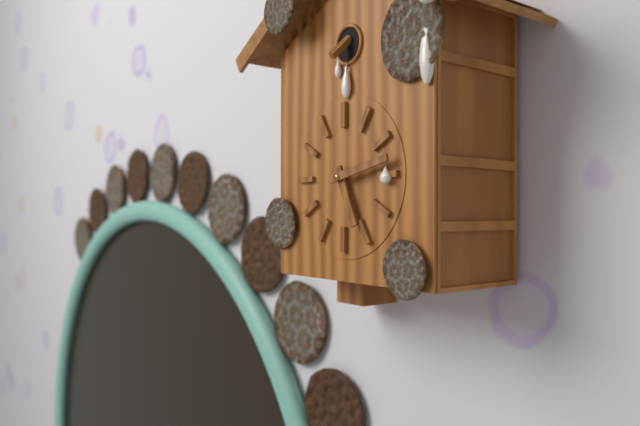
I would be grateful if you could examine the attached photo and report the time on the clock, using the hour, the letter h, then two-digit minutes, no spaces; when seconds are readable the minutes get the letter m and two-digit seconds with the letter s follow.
5h13
